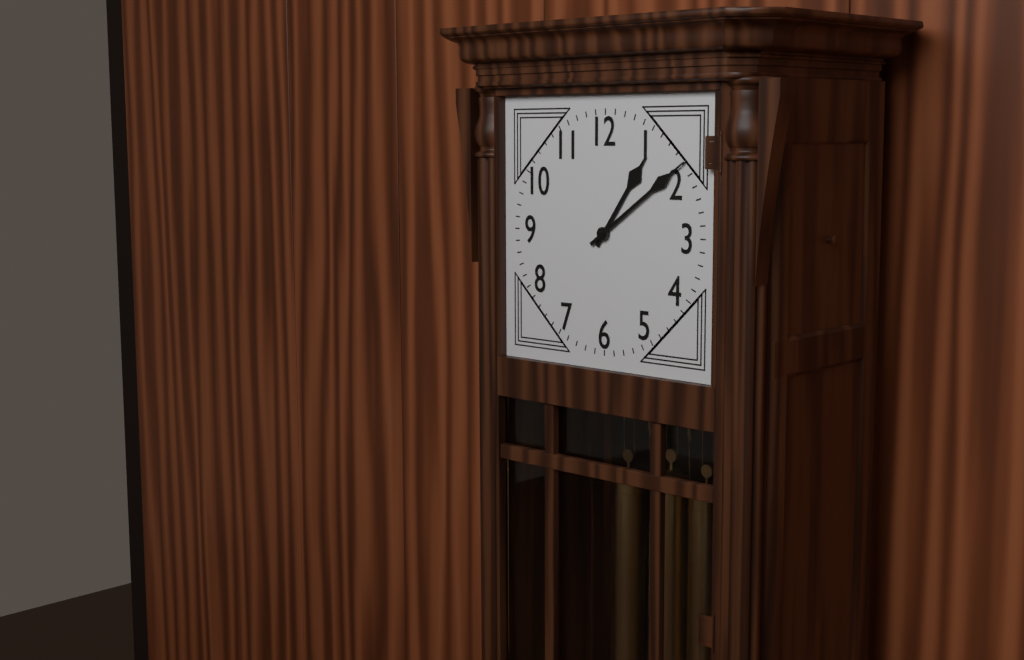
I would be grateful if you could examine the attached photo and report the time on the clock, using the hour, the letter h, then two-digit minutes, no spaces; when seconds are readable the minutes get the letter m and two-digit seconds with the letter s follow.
1h09
